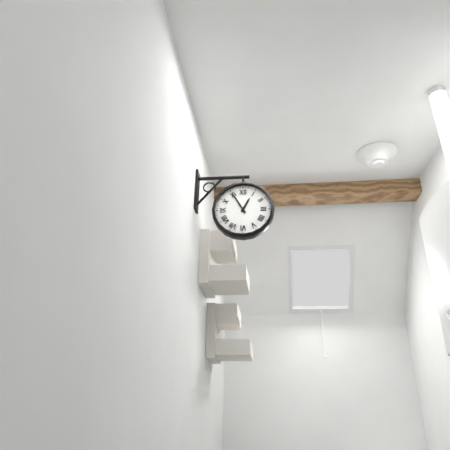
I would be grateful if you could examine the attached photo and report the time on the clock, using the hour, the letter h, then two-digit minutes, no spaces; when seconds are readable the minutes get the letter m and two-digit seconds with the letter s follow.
12h55
